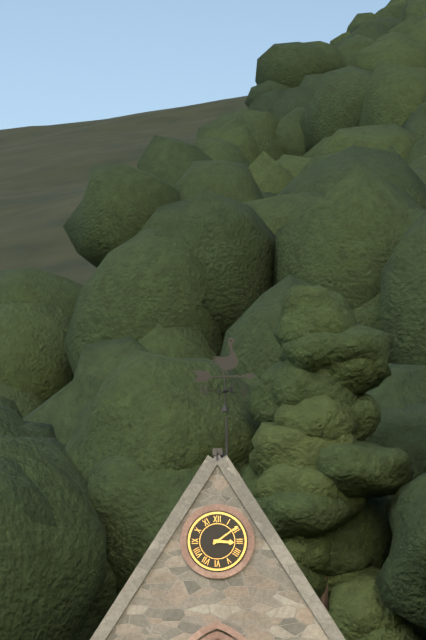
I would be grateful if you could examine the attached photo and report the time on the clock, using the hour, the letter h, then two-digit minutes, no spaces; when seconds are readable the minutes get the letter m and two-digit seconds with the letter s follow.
3h09
